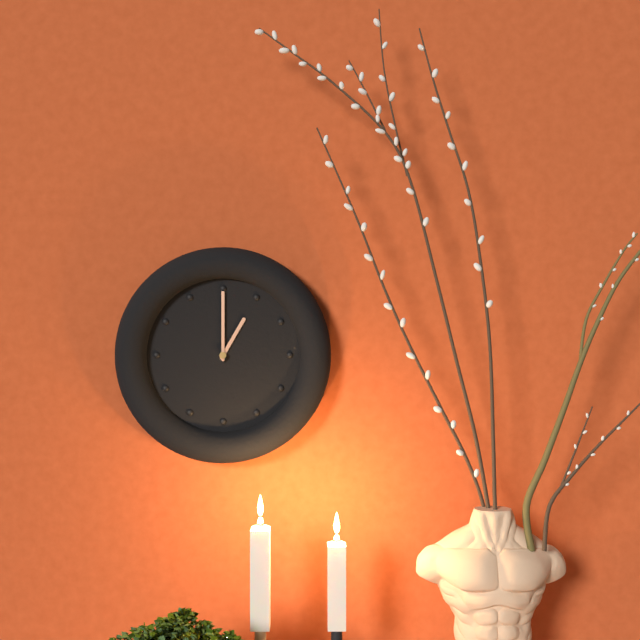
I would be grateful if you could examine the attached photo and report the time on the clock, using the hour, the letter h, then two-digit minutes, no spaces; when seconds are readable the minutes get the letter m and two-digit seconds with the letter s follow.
1h00
